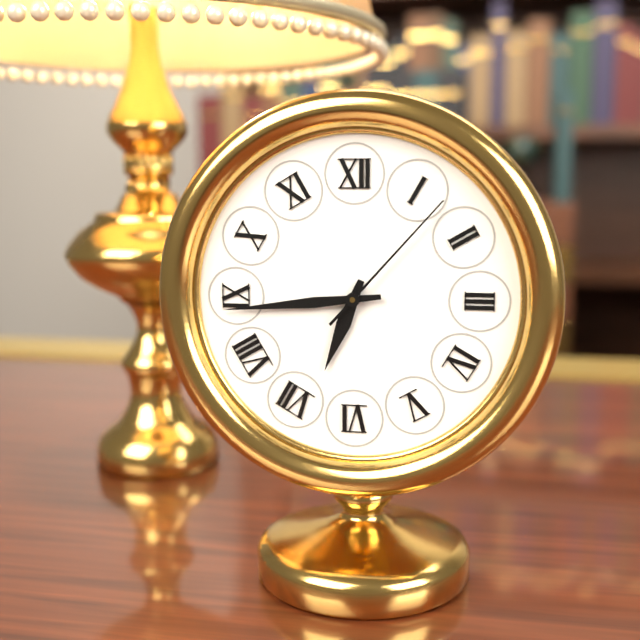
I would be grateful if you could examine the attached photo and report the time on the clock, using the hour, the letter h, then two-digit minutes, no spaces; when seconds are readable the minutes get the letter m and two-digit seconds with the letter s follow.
6h44m07s
